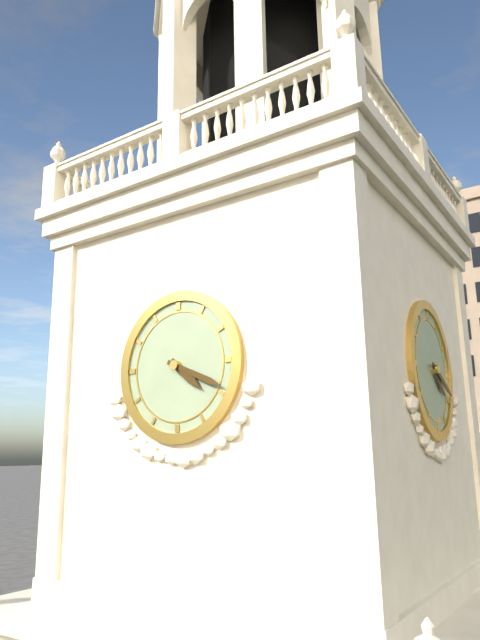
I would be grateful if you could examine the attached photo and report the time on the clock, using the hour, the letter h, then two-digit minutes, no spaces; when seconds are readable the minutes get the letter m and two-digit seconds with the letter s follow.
4h19
